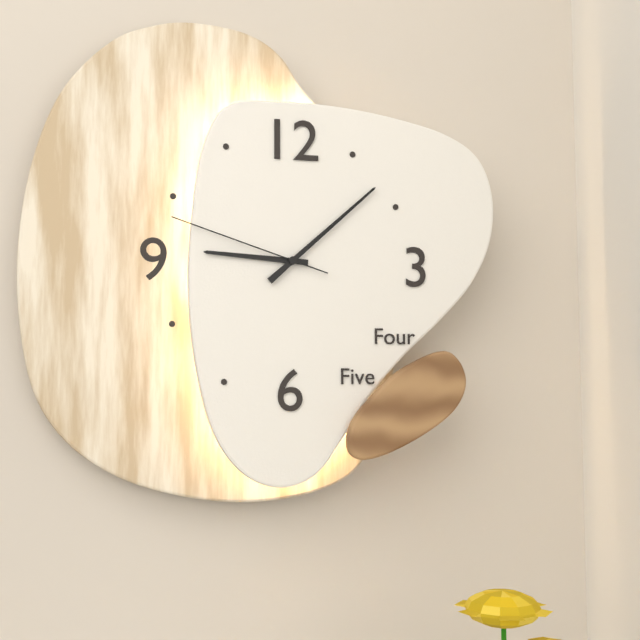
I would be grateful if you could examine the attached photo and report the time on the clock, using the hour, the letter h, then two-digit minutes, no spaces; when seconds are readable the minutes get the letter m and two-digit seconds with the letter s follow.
9h08m48s
